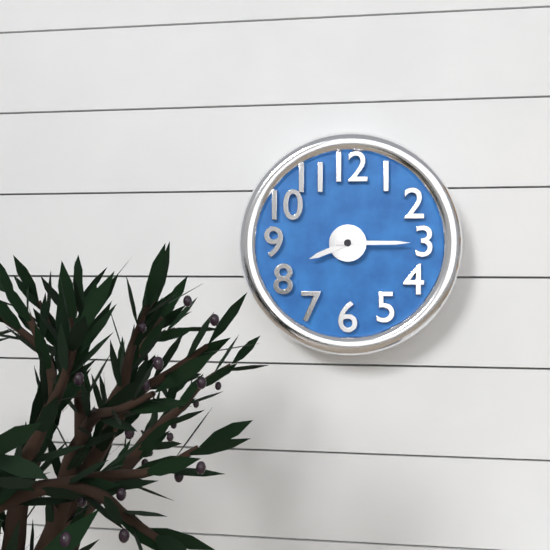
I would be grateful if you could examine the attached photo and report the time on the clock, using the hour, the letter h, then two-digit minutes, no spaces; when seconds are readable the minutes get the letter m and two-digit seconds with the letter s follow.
8h15
